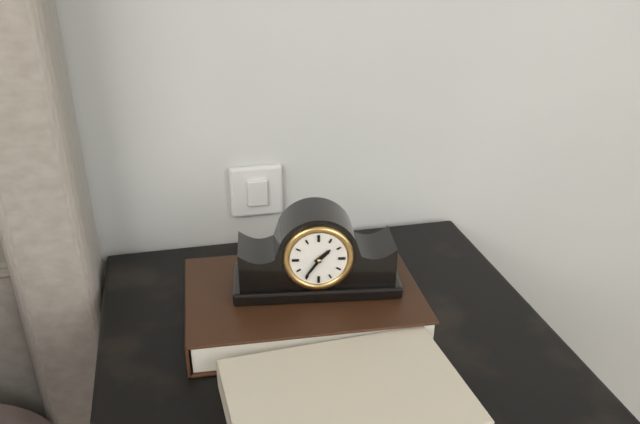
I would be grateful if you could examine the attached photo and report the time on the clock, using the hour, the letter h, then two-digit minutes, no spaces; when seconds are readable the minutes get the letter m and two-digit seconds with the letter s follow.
1h36
